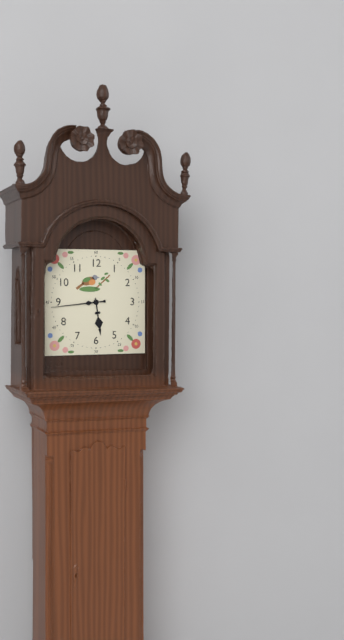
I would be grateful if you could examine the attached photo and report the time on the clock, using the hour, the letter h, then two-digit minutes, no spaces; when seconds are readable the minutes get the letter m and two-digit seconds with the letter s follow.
5h44
